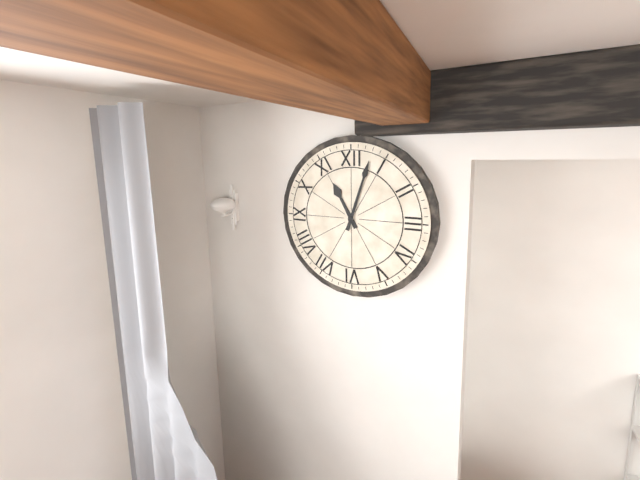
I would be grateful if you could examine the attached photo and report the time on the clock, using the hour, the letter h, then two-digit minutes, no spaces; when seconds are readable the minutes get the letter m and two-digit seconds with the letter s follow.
11h03
